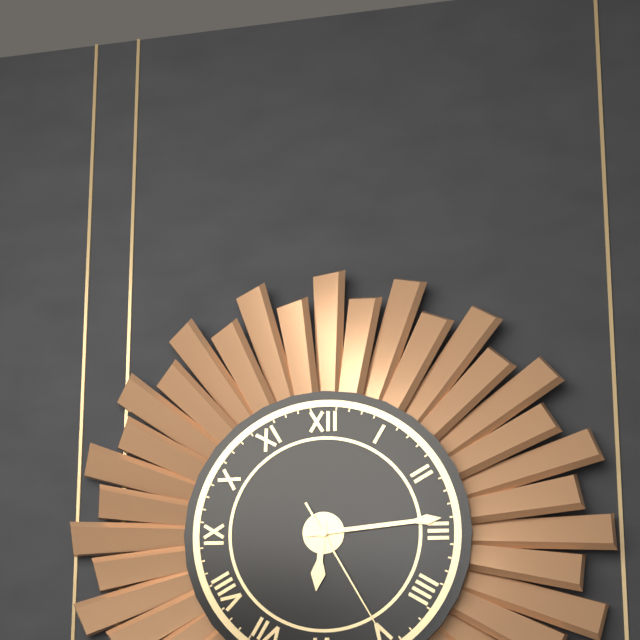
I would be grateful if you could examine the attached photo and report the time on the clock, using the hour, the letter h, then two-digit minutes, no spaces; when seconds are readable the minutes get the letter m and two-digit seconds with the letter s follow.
6h14m25s
